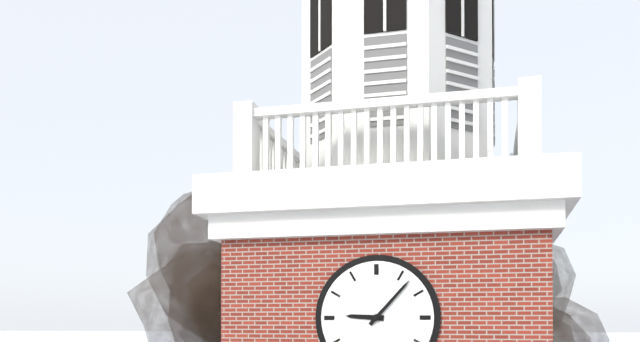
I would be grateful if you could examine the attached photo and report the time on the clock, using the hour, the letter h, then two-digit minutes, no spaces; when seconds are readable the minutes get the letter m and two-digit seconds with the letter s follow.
9h07
